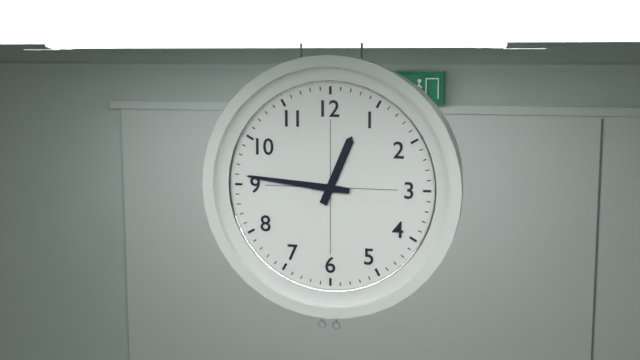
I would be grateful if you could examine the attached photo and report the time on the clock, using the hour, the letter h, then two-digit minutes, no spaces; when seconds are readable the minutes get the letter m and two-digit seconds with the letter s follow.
12h46
